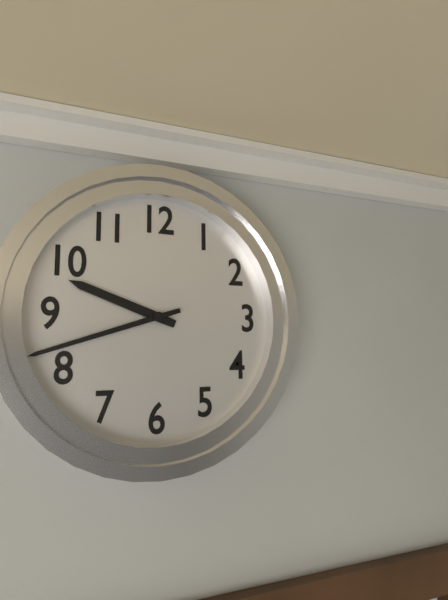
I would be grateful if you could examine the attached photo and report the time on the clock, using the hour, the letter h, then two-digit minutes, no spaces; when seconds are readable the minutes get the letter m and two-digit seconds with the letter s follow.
9h42
